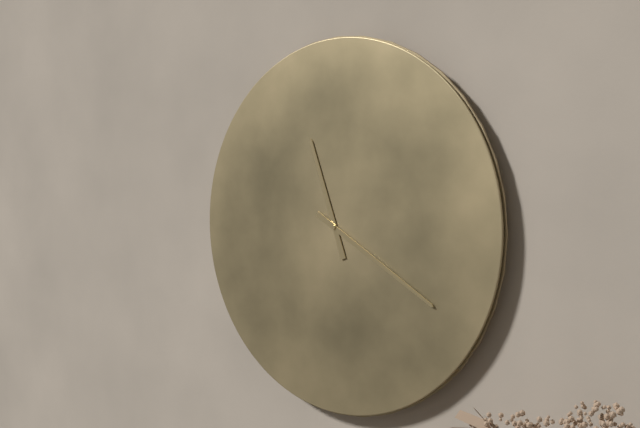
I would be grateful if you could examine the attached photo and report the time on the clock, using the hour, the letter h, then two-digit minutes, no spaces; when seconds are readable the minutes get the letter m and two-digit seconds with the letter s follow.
11h20
